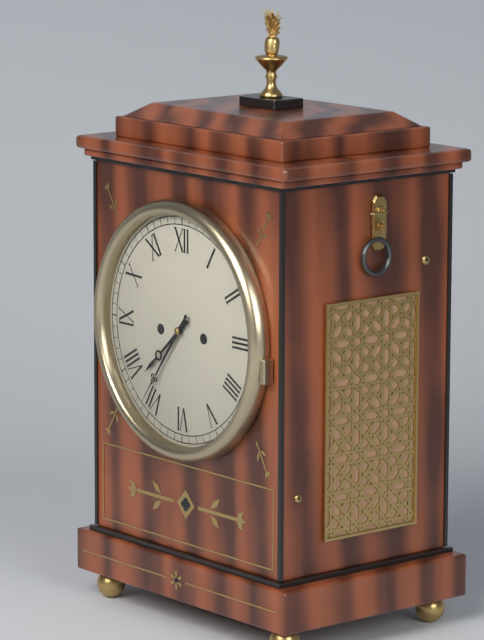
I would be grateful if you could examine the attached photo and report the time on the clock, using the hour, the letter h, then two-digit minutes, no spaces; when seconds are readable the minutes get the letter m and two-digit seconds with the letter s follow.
7h36
